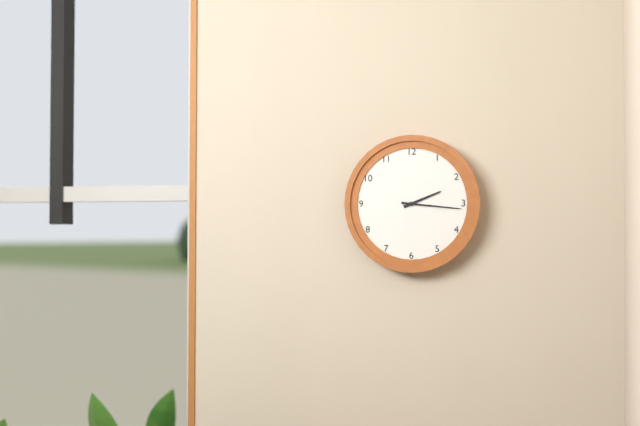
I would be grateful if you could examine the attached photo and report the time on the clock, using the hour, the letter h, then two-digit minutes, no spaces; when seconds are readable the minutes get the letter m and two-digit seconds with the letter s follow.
2h16
